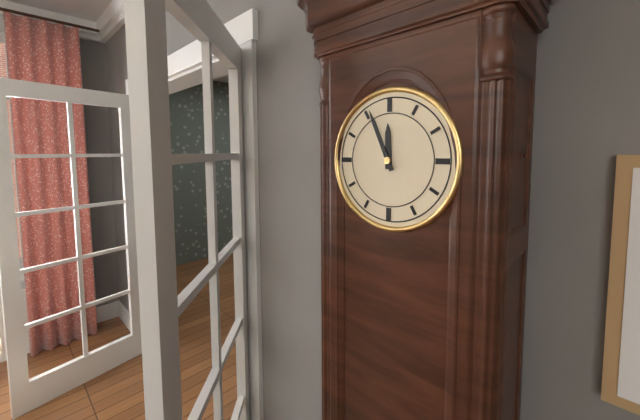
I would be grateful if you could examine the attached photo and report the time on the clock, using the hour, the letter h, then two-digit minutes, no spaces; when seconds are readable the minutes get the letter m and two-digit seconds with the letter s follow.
11h56
